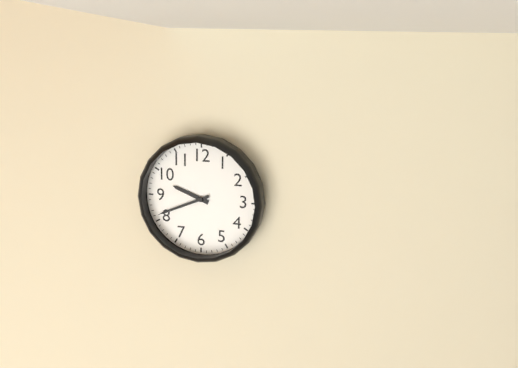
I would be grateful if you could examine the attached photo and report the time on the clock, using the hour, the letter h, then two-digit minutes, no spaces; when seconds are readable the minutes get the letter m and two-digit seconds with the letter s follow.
9h41
